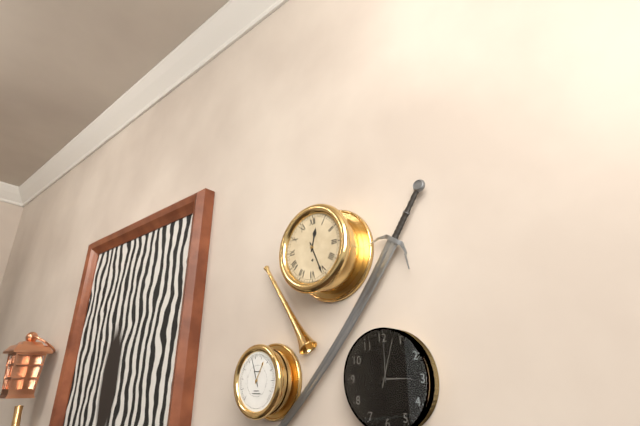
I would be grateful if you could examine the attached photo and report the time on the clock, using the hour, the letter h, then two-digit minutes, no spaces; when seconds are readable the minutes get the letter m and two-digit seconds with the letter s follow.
12h26
